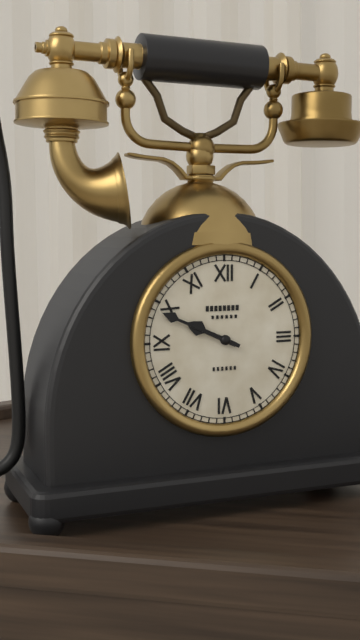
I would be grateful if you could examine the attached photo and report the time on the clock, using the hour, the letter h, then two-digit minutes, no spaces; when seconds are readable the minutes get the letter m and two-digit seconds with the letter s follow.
9h49
